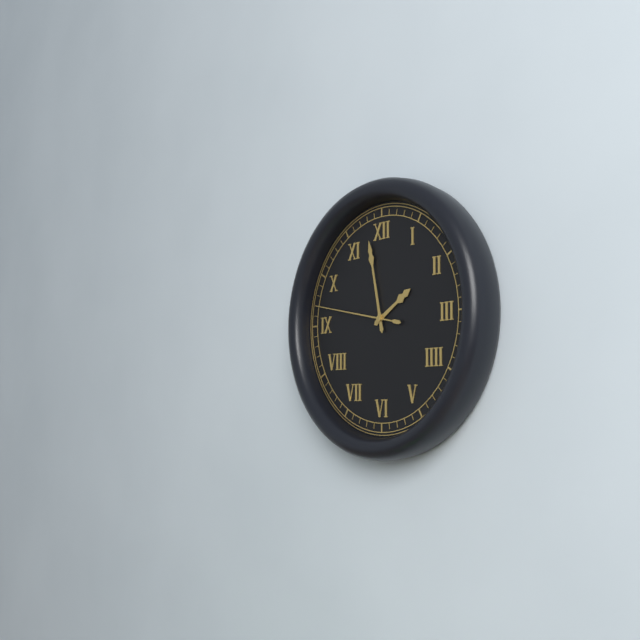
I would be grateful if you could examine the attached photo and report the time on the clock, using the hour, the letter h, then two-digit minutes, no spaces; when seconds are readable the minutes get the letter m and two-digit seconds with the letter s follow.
1h58m47s
